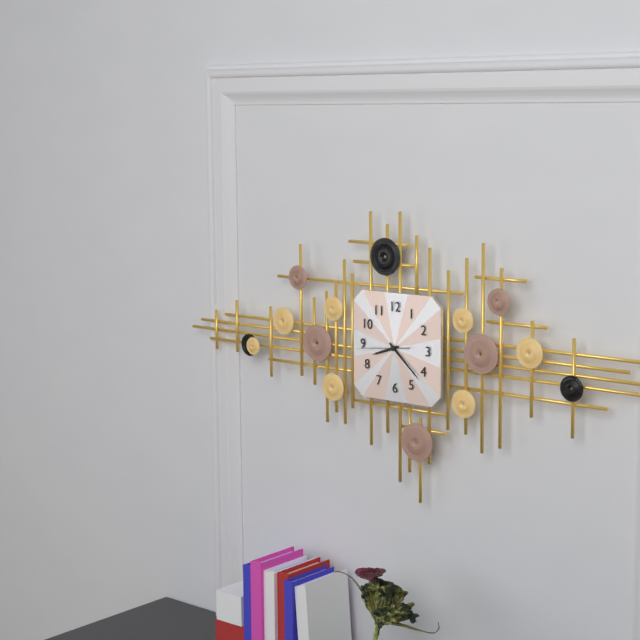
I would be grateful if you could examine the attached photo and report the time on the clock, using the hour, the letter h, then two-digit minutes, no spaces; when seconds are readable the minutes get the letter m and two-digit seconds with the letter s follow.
8h22
